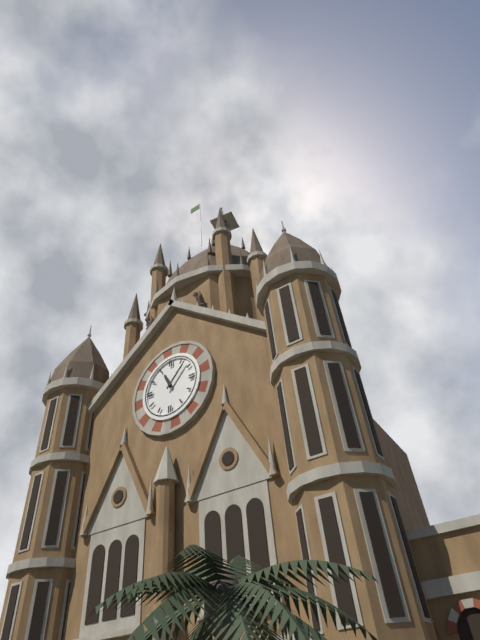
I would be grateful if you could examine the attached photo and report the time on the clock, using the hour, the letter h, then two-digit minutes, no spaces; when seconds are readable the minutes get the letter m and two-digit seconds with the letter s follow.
11h07
